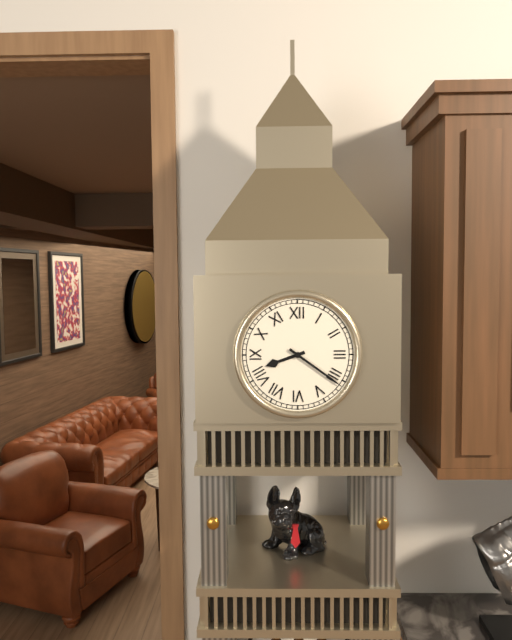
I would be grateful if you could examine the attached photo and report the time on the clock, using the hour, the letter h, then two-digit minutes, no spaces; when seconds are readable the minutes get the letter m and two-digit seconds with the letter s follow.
8h21
